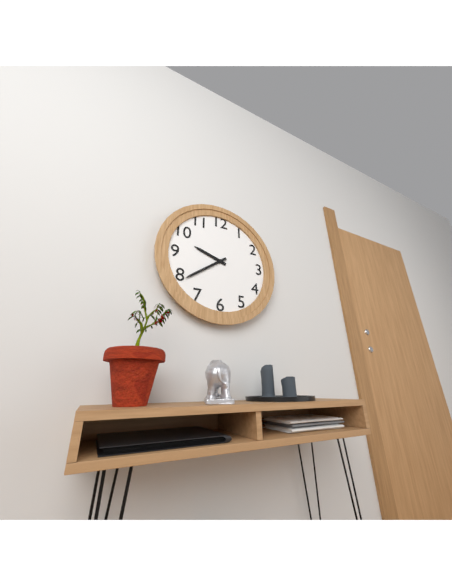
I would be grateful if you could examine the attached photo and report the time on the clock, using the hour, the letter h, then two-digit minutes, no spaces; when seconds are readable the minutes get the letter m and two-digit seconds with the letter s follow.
9h39
